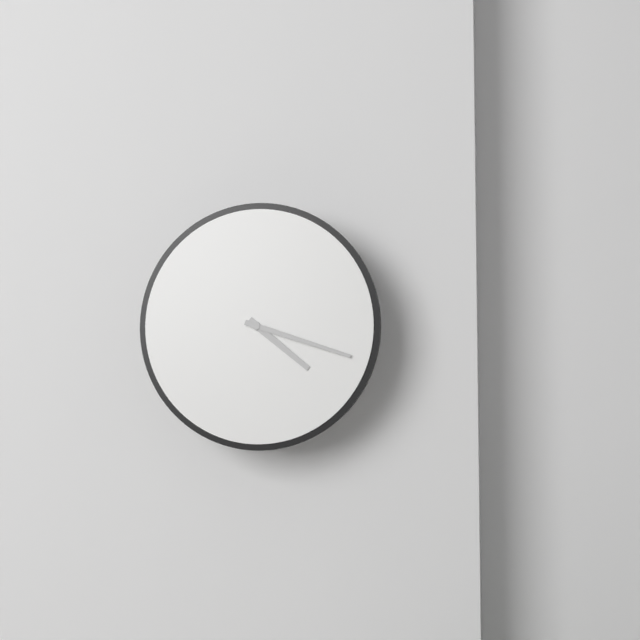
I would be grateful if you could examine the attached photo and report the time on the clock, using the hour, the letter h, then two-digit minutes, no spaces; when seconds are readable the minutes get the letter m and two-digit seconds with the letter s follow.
4h18
